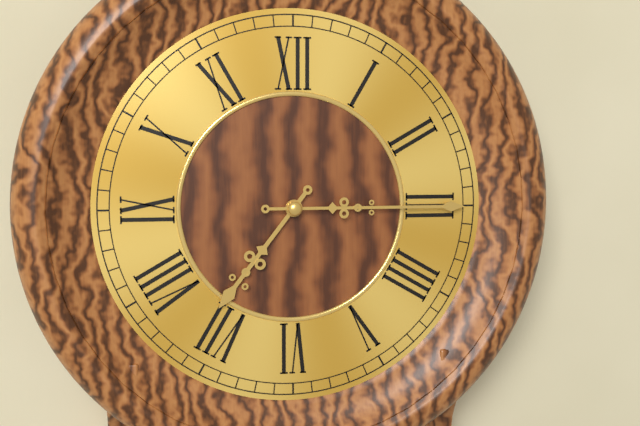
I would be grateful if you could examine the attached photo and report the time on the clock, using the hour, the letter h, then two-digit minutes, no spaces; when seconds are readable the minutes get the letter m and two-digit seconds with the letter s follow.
7h15
